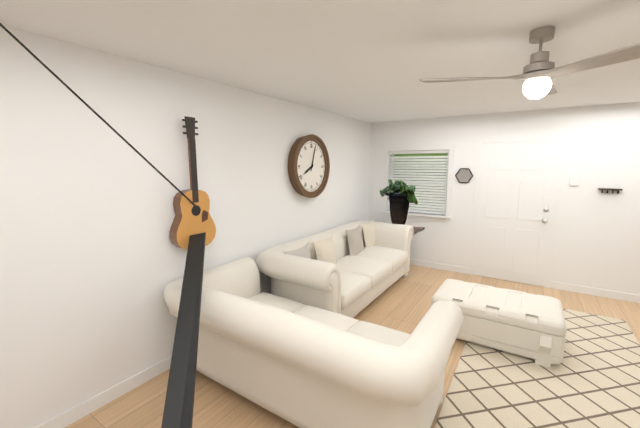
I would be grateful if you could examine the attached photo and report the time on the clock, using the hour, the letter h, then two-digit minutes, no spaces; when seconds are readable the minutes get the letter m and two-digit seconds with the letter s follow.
8h03
